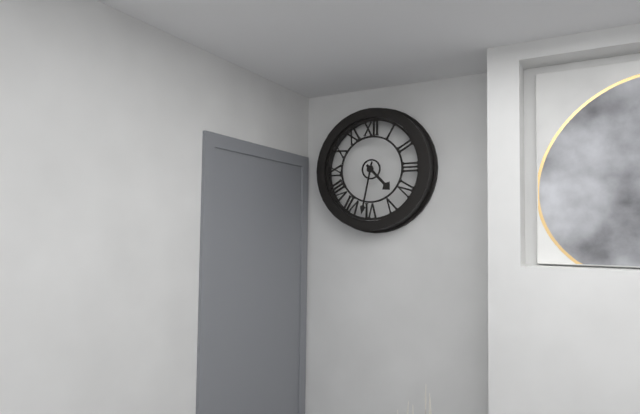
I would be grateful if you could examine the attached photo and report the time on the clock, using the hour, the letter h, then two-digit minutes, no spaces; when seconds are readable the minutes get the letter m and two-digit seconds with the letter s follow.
4h32
